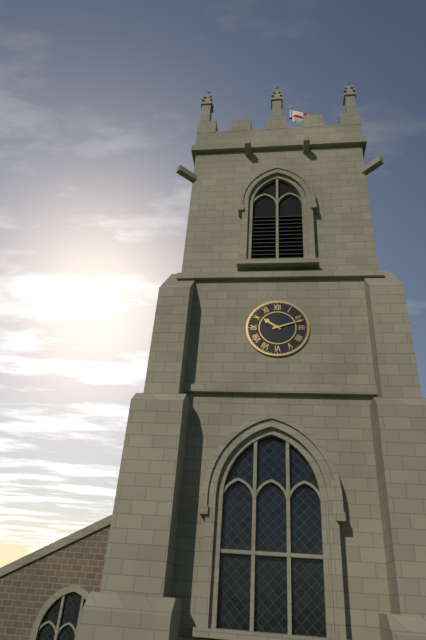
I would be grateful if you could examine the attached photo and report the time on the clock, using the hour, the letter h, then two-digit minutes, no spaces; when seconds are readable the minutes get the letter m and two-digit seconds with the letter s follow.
10h12
